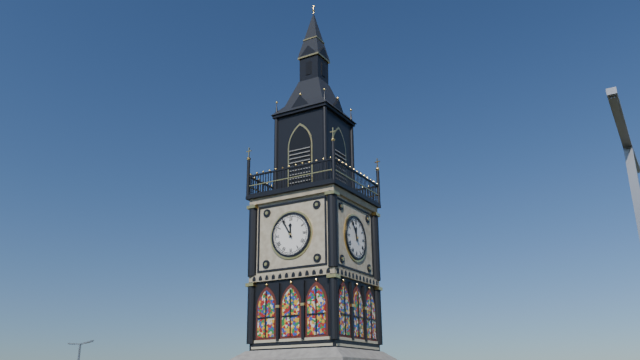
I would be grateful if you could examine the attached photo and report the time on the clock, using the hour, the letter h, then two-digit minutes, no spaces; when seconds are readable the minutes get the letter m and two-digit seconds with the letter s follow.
11h55
